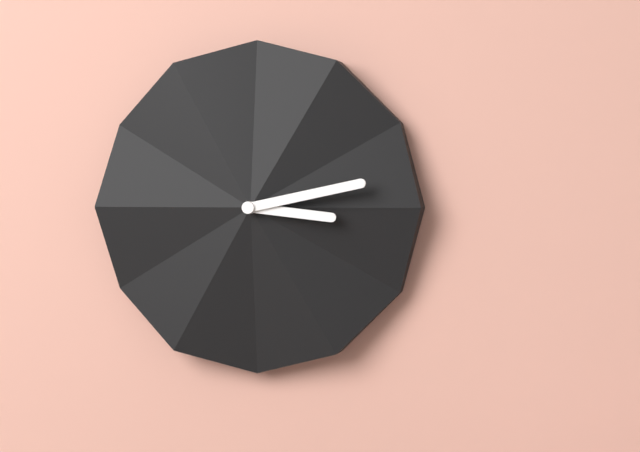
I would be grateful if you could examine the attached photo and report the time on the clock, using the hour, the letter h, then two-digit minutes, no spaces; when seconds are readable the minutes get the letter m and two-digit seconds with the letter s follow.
3h13
